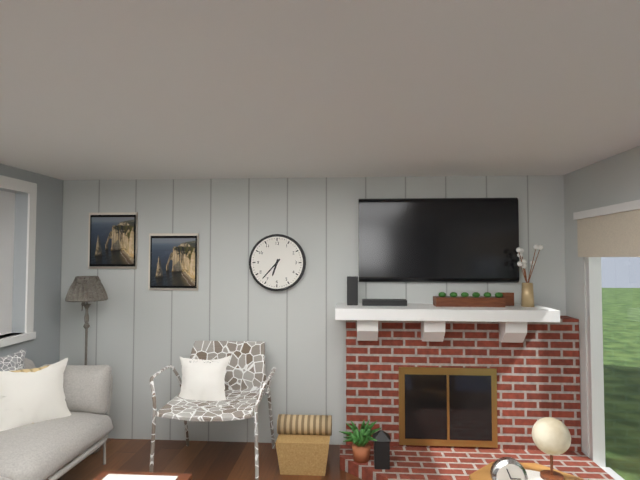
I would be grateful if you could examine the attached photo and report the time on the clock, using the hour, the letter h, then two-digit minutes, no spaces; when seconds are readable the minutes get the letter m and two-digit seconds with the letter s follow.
6h37
